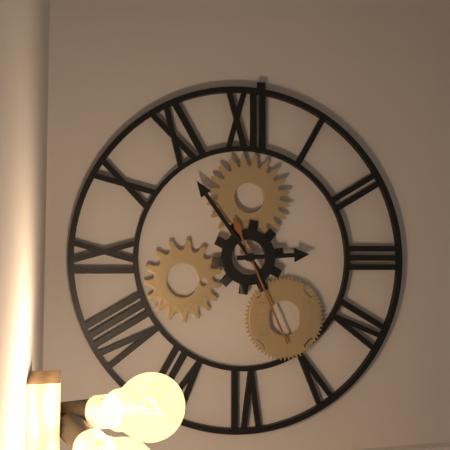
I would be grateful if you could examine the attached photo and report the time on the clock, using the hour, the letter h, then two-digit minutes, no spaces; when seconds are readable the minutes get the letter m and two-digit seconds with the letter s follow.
2h54m26s
